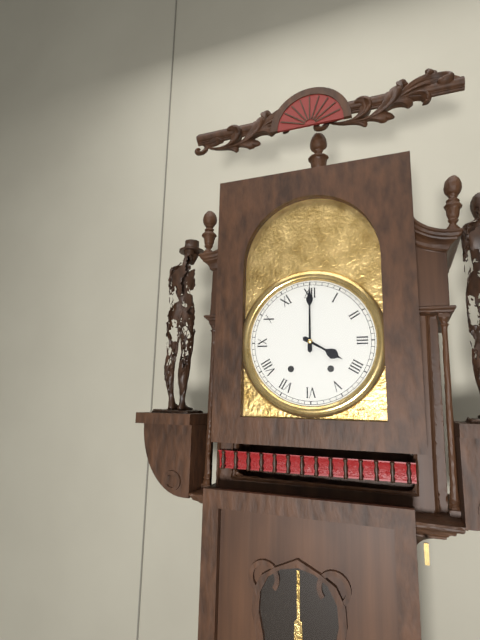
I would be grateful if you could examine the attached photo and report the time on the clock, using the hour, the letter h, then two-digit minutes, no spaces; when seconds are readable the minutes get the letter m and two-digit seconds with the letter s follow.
4h00
